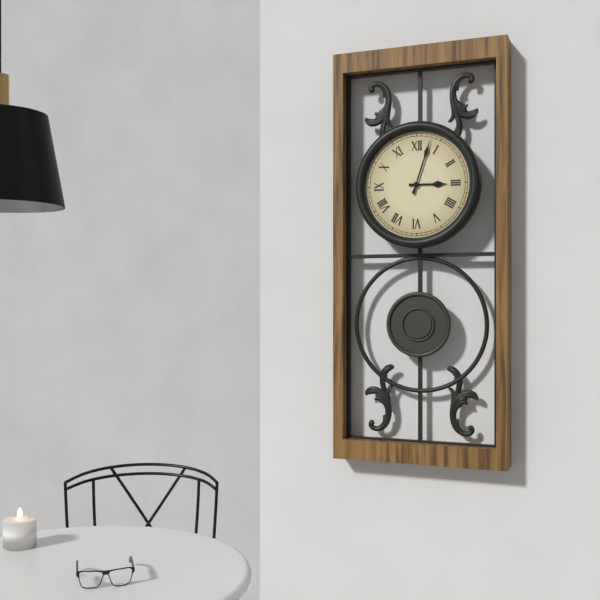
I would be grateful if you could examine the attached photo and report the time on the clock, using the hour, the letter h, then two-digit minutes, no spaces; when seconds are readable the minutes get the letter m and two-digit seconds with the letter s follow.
3h03
